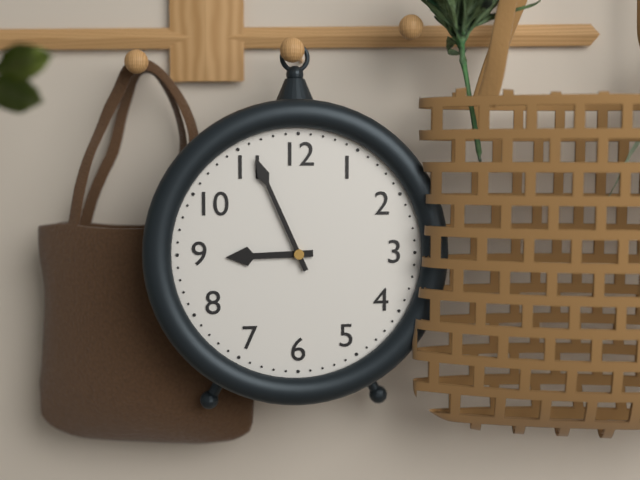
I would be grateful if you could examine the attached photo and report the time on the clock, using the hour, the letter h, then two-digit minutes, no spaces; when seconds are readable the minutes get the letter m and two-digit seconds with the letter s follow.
8h56
